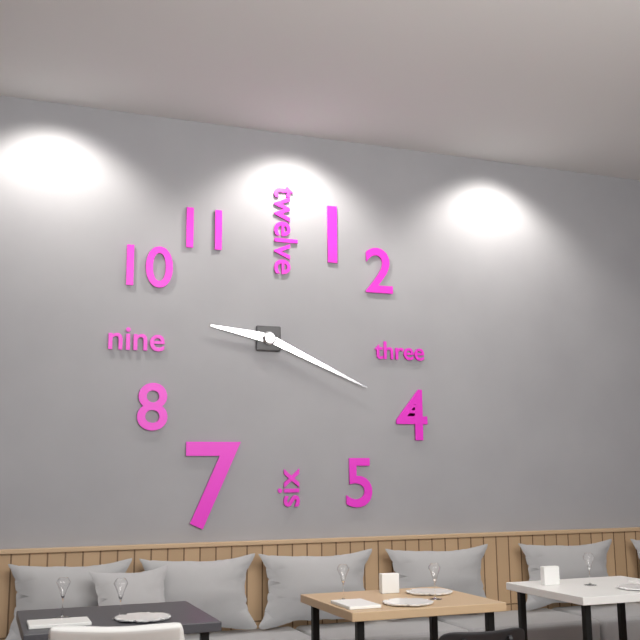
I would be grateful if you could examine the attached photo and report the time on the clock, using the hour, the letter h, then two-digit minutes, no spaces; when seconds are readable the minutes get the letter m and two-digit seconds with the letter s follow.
9h19
